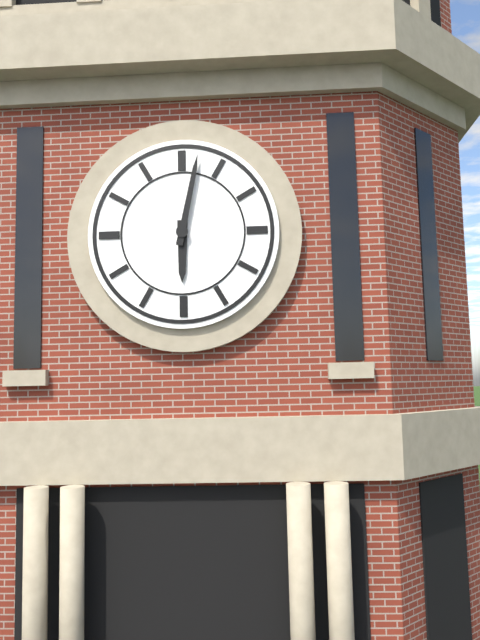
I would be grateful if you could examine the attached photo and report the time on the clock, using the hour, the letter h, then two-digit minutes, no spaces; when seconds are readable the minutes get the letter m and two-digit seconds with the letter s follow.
6h02
